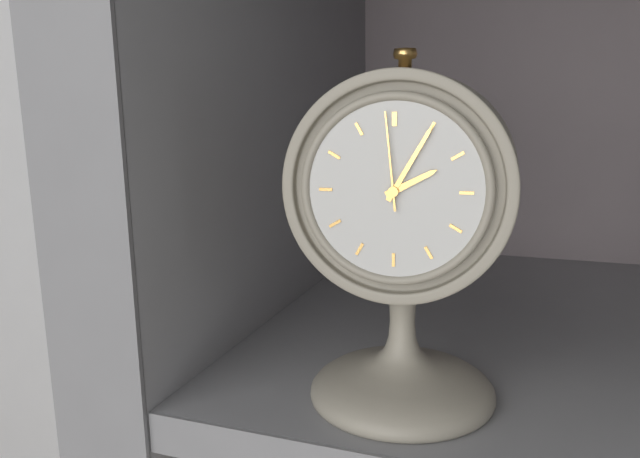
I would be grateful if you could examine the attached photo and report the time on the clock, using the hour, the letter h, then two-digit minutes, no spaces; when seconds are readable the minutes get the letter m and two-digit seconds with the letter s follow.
2h05m59s
